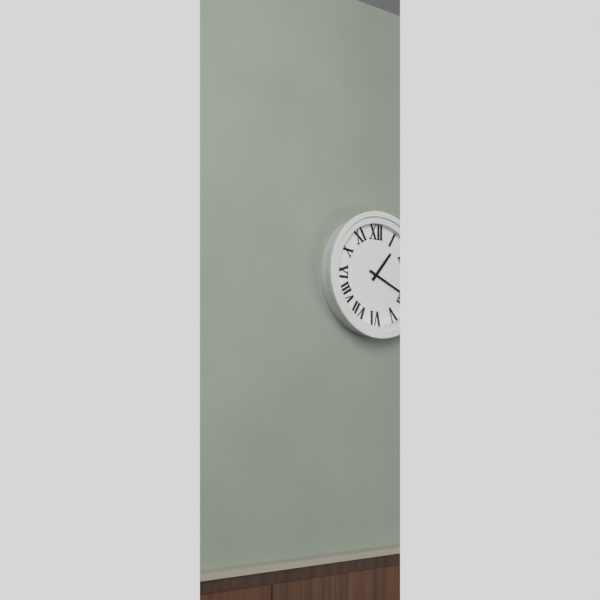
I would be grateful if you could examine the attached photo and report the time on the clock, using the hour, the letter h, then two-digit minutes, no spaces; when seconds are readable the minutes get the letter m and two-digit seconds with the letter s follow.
1h19
